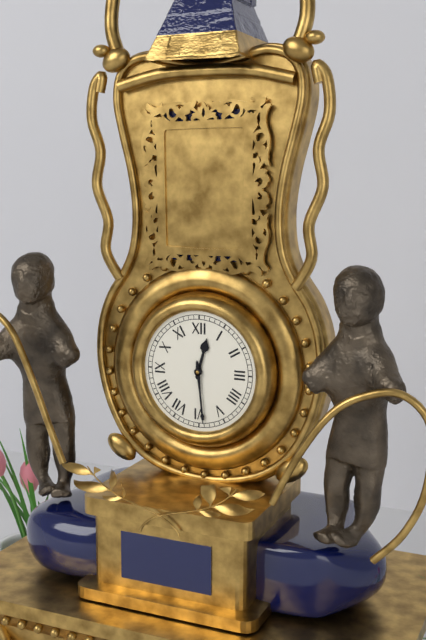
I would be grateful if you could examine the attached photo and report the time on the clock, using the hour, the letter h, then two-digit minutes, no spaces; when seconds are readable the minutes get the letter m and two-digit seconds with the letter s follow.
12h29
